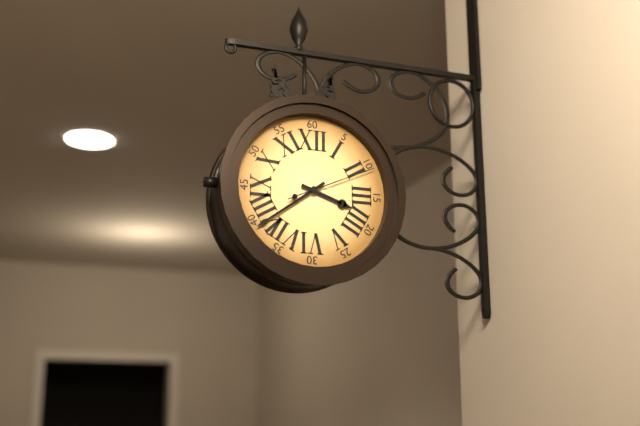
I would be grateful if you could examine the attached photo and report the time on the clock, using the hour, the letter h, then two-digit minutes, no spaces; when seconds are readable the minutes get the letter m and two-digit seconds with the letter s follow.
3h39m11s
